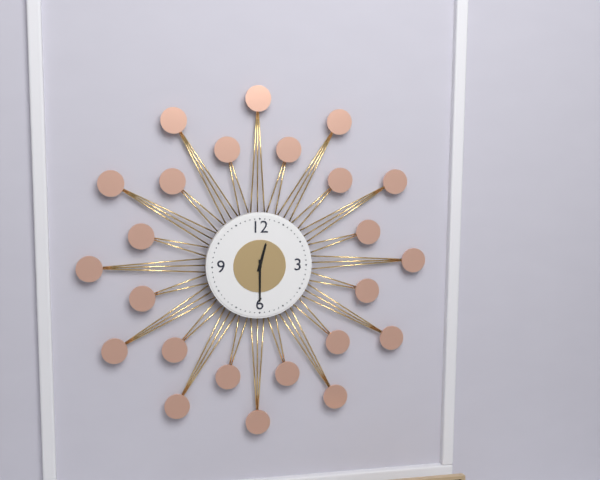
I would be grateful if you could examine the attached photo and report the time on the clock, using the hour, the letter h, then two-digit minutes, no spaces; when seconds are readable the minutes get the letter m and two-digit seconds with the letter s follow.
12h30
